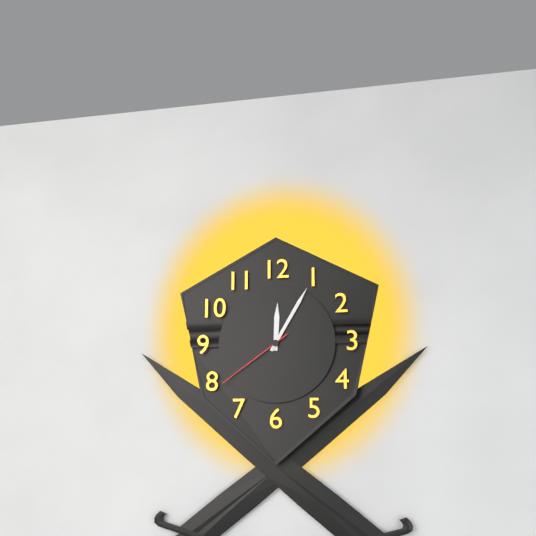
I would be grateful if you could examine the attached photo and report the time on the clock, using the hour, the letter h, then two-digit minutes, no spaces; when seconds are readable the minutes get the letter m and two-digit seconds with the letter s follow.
12h05m39s
